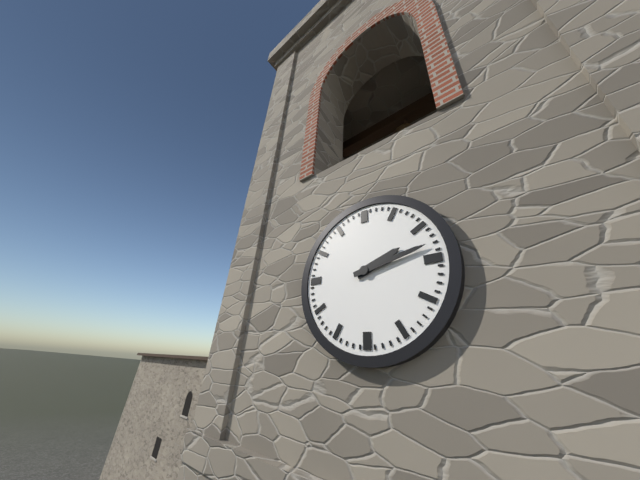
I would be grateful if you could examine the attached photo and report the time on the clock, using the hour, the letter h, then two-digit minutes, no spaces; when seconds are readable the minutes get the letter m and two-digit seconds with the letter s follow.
2h13
